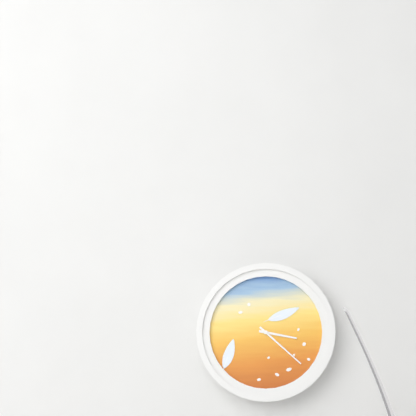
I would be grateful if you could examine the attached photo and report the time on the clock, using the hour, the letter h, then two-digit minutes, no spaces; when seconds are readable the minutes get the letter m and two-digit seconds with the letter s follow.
3h22
